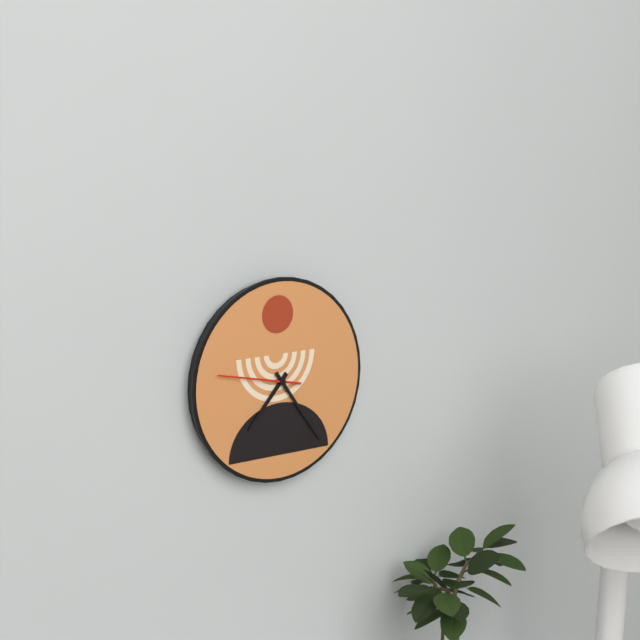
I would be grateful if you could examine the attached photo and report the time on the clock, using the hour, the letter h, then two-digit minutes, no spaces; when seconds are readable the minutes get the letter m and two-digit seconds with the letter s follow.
7h24m47s
